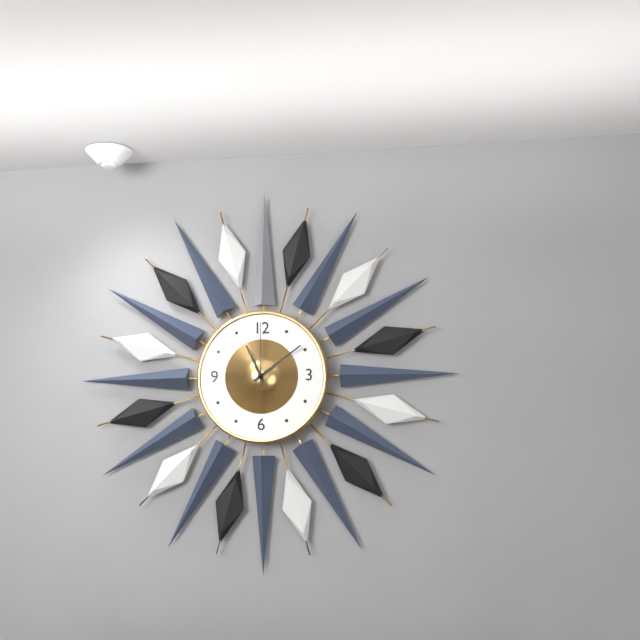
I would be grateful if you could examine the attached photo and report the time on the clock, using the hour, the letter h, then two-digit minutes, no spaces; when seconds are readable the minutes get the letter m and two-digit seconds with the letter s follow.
11h09m00s
